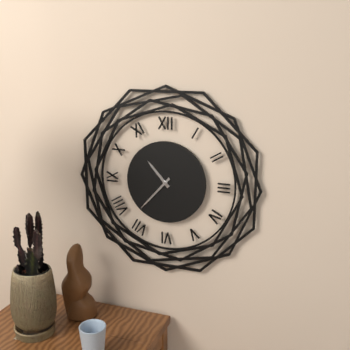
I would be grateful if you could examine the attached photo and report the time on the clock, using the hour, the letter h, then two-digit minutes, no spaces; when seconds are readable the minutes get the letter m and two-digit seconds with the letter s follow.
10h37
